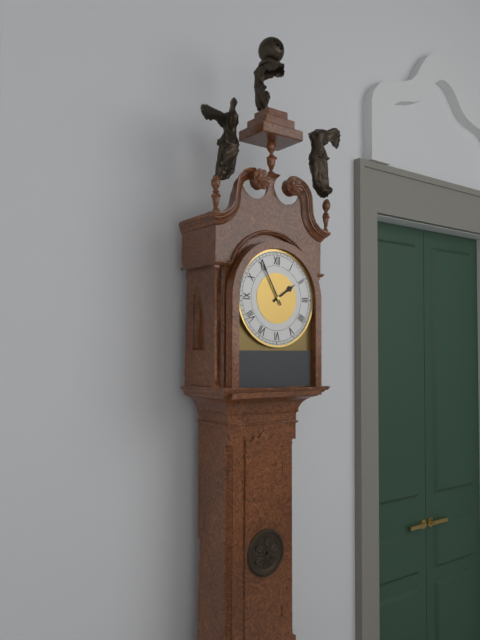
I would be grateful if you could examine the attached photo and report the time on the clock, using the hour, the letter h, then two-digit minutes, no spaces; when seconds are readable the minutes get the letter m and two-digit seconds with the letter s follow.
1h55
